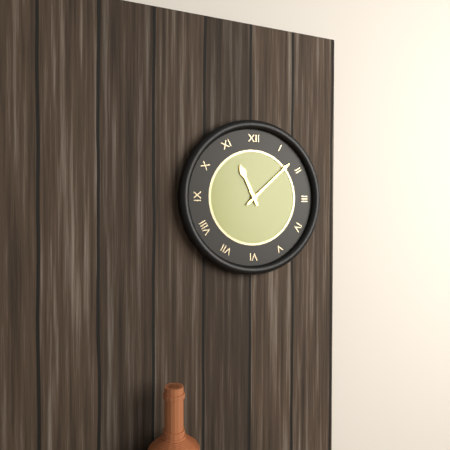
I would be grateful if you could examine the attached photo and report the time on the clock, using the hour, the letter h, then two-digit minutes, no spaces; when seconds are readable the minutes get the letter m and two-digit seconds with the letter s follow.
11h08
